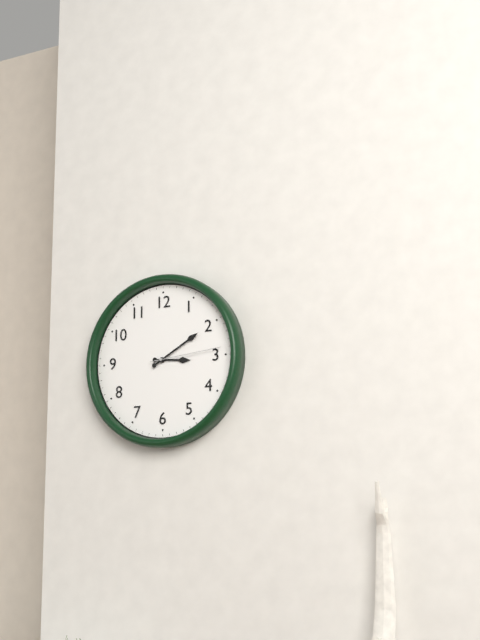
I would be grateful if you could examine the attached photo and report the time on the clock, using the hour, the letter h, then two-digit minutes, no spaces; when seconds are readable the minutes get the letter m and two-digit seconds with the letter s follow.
3h10m14s
